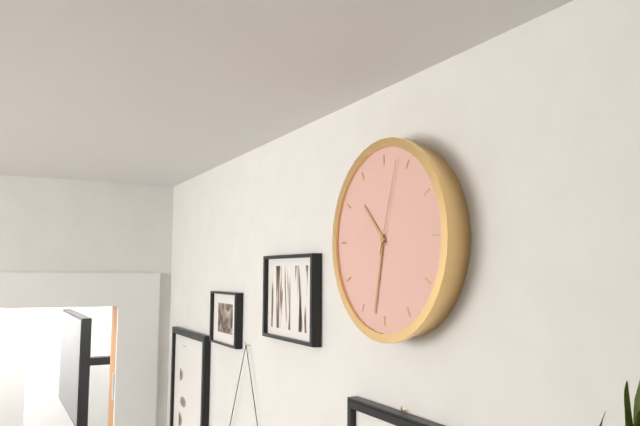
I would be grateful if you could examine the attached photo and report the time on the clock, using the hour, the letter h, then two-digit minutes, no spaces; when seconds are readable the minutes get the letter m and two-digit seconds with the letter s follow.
10h32m03s
